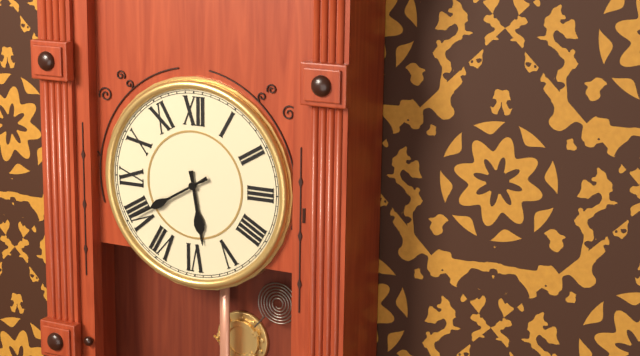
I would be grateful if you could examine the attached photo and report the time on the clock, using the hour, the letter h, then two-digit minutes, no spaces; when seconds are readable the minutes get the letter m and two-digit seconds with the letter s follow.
5h40
